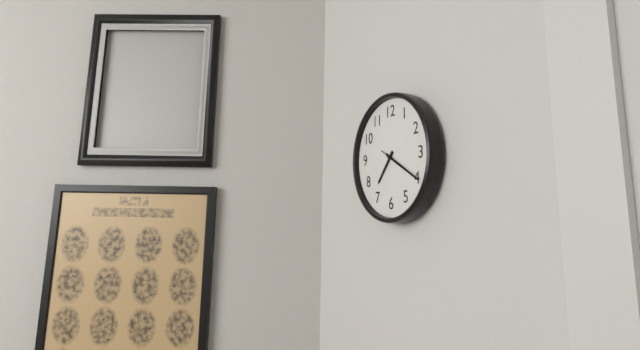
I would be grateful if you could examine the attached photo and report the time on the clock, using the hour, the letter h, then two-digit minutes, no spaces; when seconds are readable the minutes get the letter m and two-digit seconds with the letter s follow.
7h20
